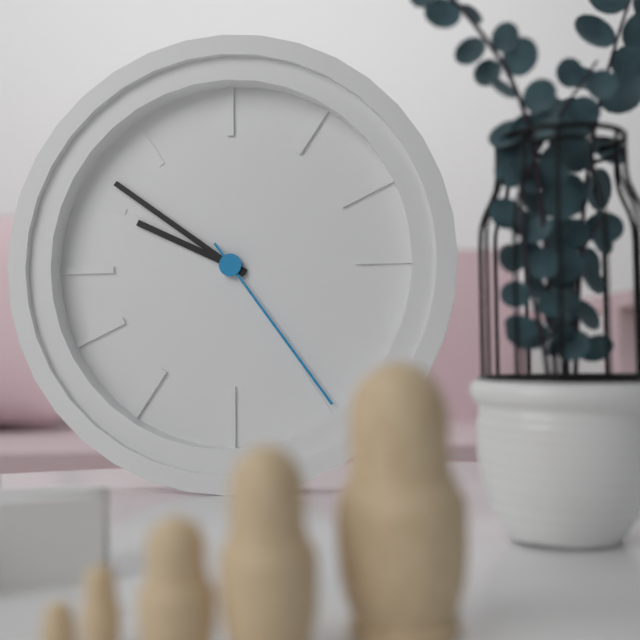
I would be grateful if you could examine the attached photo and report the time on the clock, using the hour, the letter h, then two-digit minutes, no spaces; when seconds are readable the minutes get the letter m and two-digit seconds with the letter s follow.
9h51m24s
